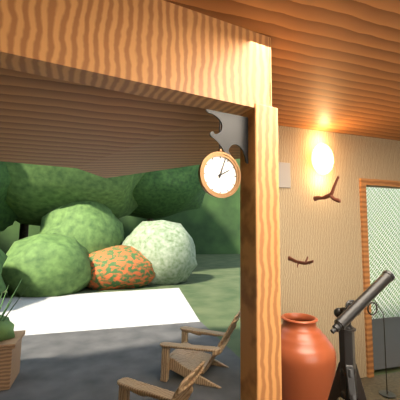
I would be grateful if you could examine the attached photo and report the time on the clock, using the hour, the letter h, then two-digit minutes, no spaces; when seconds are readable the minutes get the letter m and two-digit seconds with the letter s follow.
2h03
